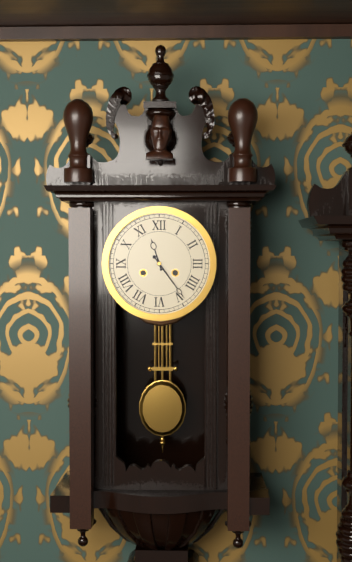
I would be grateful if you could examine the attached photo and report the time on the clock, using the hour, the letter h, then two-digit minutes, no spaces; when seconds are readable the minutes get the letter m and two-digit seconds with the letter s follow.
11h24
